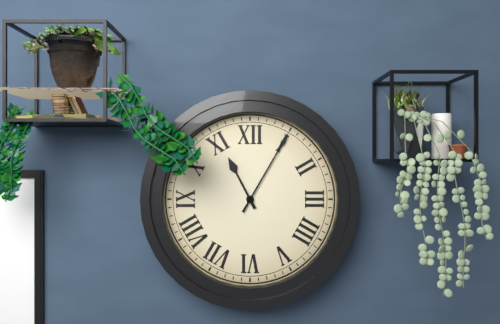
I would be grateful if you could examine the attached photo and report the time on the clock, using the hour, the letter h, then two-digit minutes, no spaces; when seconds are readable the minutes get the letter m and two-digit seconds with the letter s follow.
11h05
